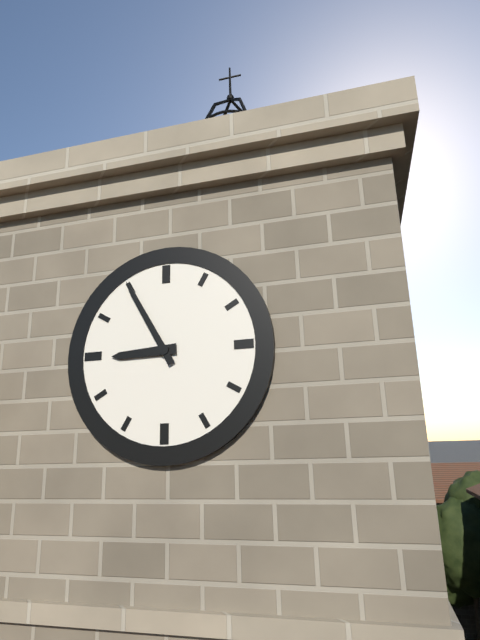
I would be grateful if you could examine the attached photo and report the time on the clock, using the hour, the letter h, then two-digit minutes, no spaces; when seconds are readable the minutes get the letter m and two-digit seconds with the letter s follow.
8h55
